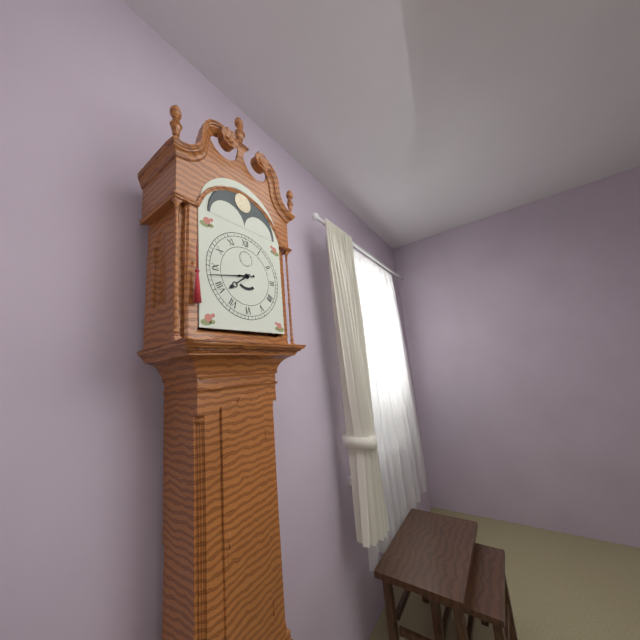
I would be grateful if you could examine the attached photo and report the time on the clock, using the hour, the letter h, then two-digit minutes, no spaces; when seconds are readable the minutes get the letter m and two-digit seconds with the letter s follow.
7h43
